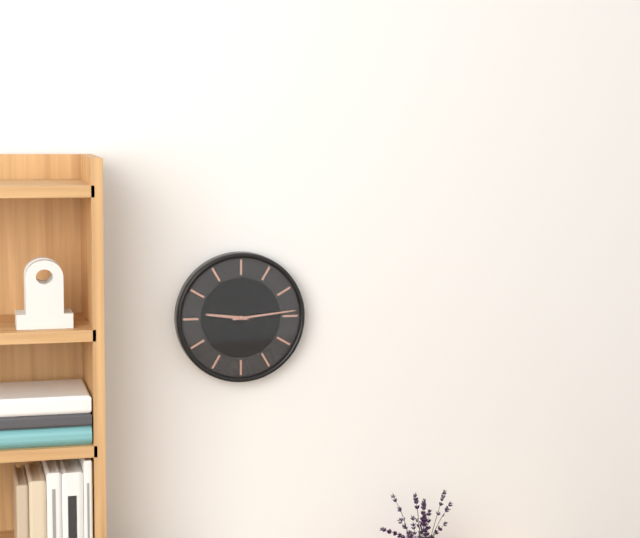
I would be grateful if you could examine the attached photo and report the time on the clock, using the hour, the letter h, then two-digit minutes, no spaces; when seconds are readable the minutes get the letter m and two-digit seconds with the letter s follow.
9h14
